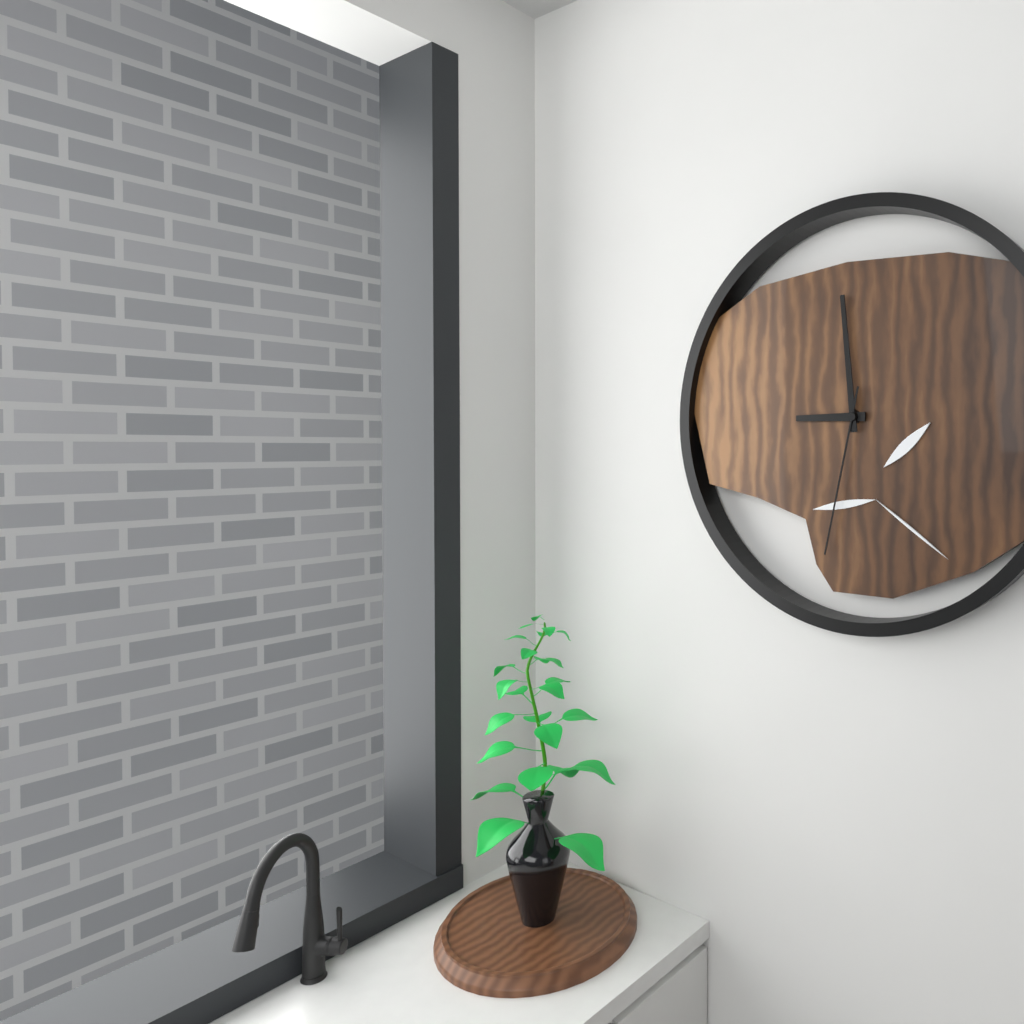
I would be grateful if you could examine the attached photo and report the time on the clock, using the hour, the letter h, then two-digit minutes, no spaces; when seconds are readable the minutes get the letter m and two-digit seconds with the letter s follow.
8h59m32s
